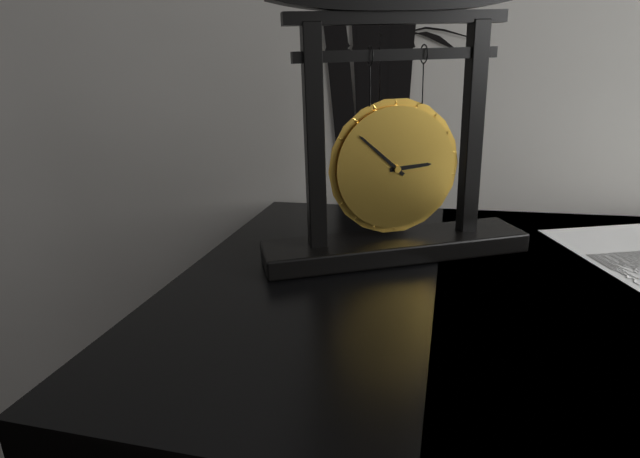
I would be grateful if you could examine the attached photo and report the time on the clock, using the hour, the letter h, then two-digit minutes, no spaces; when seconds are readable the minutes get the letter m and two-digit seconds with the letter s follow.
2h52
